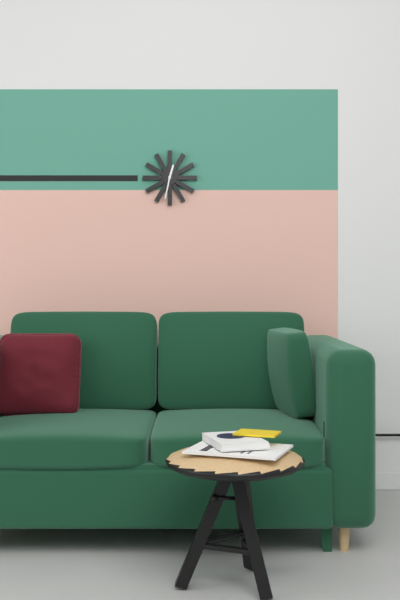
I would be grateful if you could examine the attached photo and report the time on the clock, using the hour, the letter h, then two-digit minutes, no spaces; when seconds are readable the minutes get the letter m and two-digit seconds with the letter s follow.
12h32
